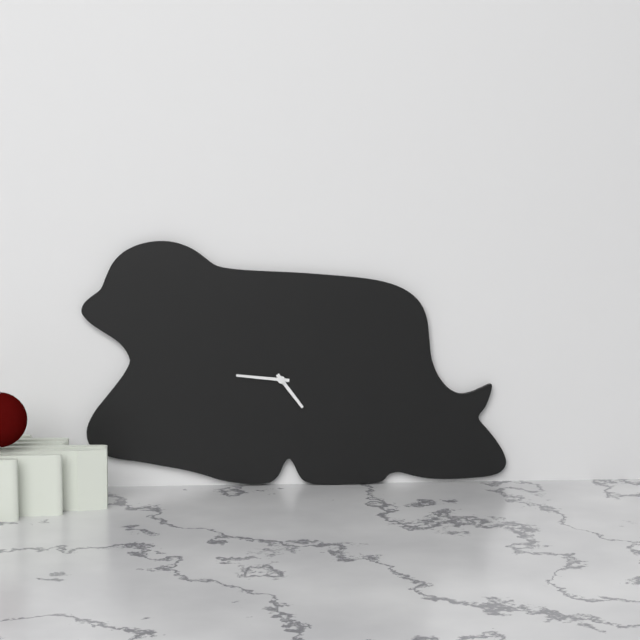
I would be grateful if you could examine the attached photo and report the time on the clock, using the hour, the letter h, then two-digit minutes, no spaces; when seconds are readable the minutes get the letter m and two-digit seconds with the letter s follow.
4h46
